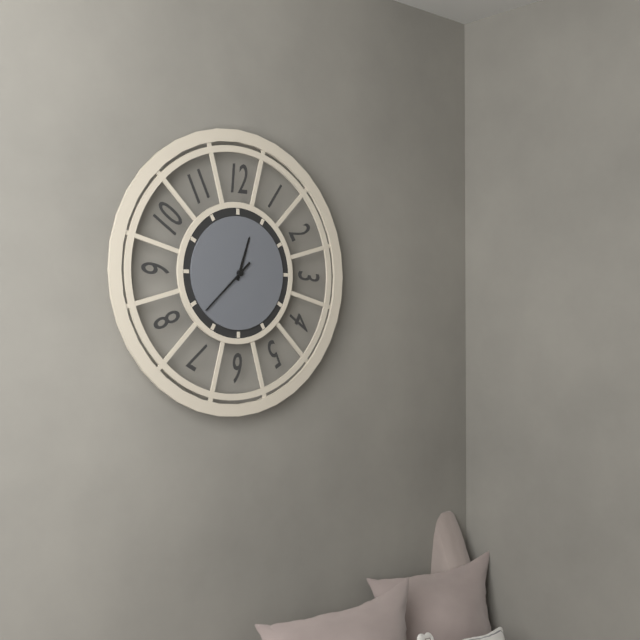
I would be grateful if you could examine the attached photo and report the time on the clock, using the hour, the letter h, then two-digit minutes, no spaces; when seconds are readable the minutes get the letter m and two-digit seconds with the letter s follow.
12h38
